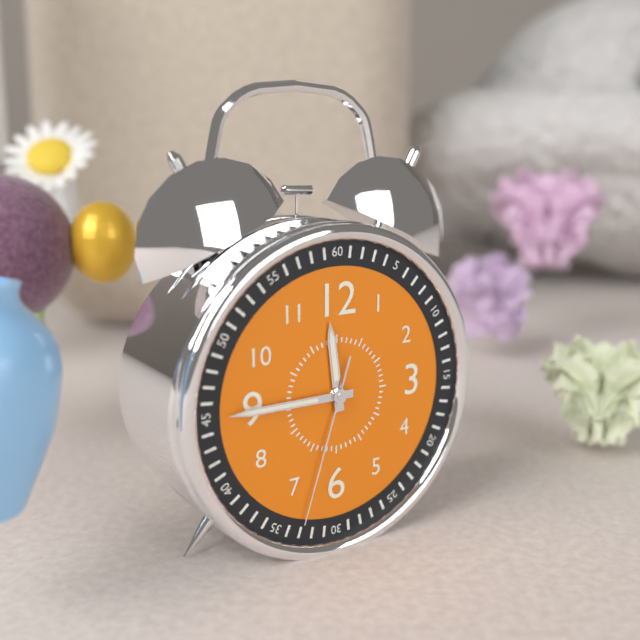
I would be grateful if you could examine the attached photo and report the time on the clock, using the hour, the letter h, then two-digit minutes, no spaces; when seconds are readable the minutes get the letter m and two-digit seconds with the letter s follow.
11h45m33s
